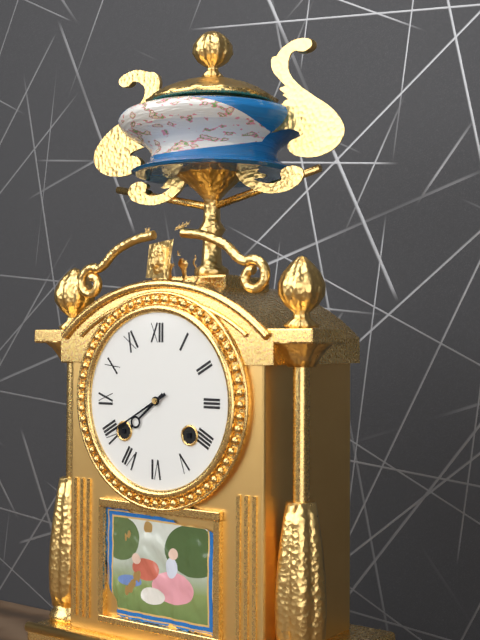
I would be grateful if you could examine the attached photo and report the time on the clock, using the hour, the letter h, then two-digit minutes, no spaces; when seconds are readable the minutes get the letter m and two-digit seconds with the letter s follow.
7h40
